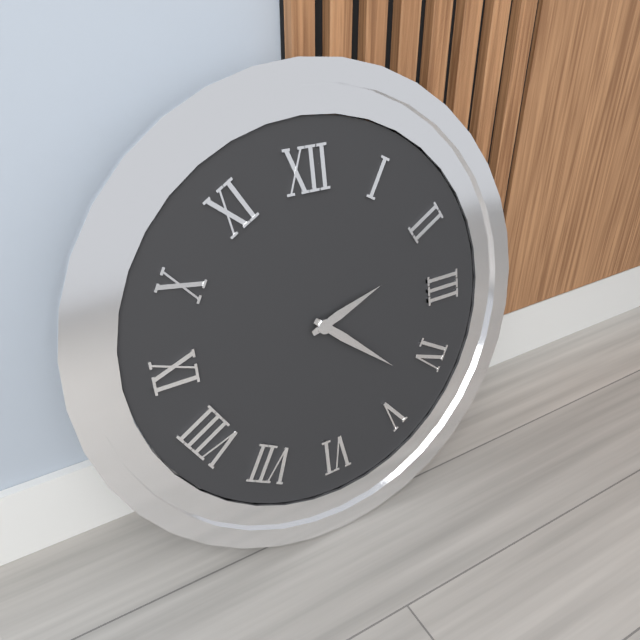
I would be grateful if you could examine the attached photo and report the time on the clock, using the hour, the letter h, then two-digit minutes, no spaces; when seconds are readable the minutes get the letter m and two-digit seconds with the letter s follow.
2h22
